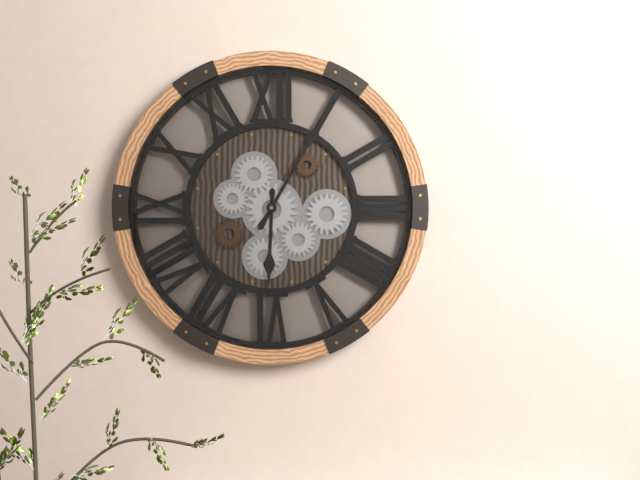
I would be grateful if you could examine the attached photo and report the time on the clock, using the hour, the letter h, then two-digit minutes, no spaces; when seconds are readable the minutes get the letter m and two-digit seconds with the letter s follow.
6h05
